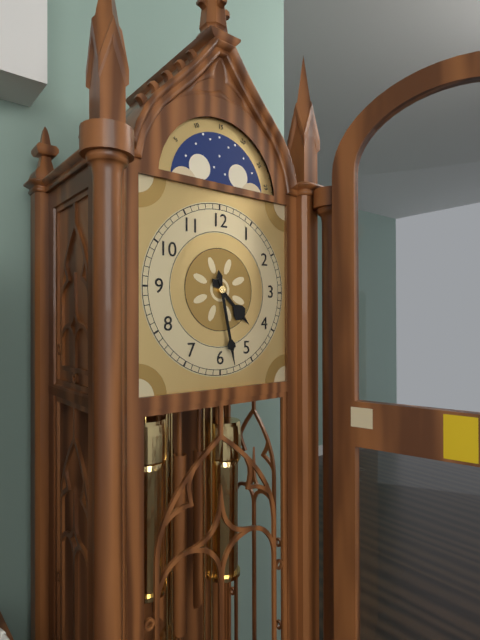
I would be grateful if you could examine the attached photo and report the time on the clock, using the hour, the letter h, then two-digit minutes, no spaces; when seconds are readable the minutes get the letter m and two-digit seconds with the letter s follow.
4h28
